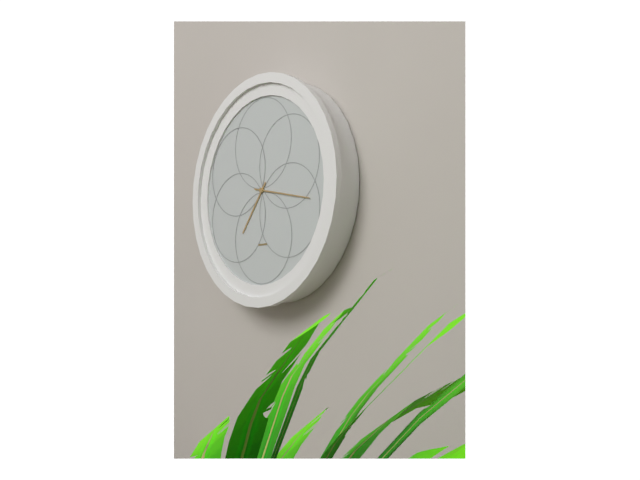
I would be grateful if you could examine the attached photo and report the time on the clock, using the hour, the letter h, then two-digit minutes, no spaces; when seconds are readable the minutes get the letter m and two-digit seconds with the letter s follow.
7h17
